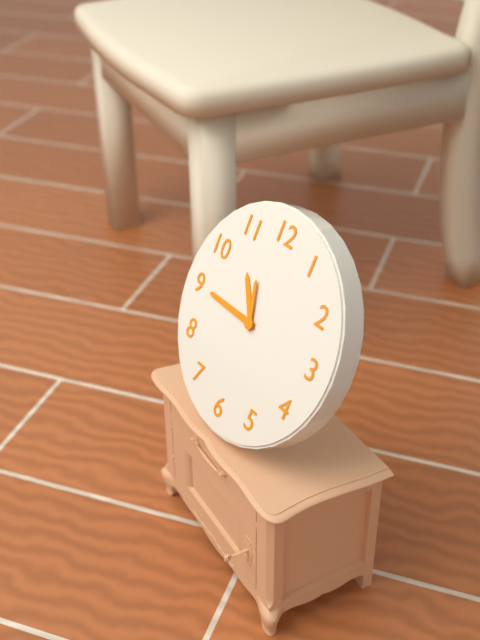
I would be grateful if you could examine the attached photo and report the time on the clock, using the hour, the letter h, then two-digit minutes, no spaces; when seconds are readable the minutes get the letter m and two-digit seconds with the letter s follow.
10h45m57s
